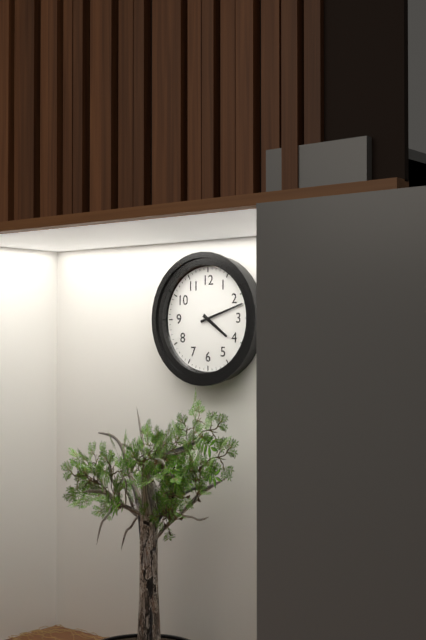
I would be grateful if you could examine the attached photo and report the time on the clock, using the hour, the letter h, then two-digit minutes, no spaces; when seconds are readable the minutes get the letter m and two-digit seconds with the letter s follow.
4h12
